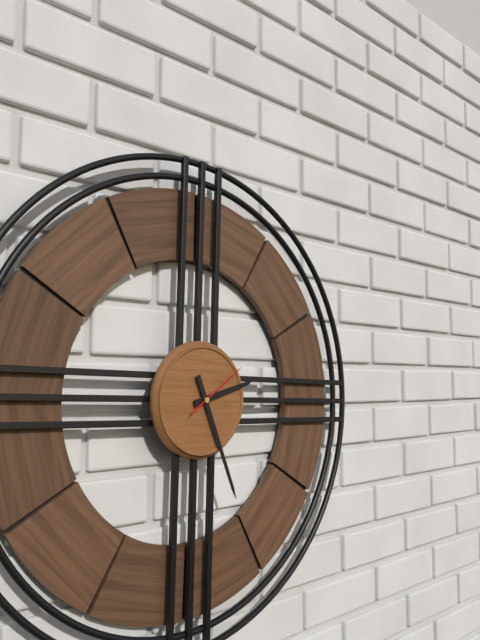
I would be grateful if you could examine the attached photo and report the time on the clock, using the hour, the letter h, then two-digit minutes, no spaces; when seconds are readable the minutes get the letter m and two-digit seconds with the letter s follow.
2h26m09s
